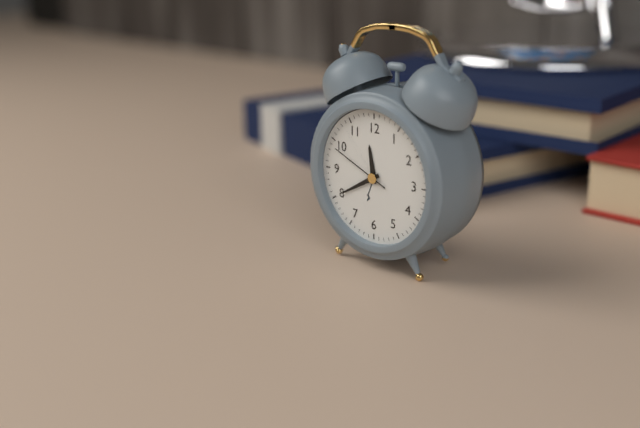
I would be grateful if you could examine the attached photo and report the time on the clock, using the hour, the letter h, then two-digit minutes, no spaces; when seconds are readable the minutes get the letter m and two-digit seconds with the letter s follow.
11h40m49s
